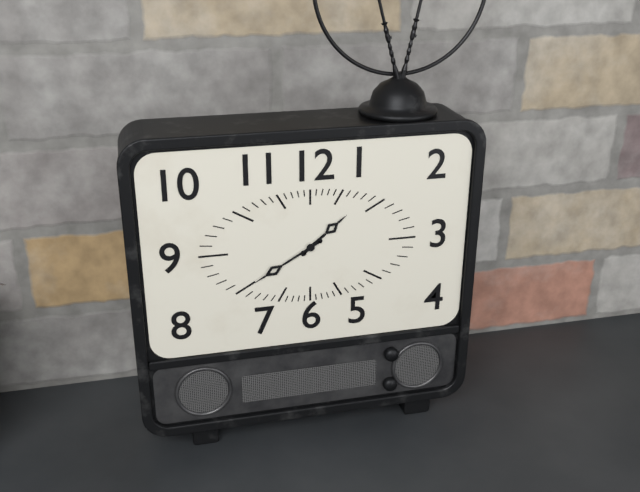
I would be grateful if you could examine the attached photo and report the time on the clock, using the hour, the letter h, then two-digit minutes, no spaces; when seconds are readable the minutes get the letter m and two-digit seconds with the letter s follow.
1h40
